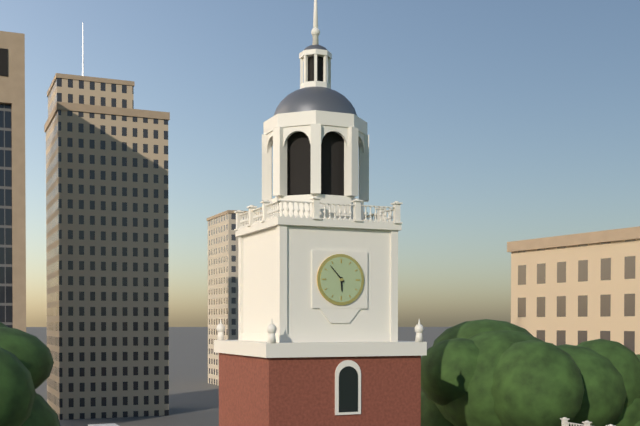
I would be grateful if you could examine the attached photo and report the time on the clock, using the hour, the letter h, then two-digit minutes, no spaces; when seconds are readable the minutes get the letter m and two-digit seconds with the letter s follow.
5h53
